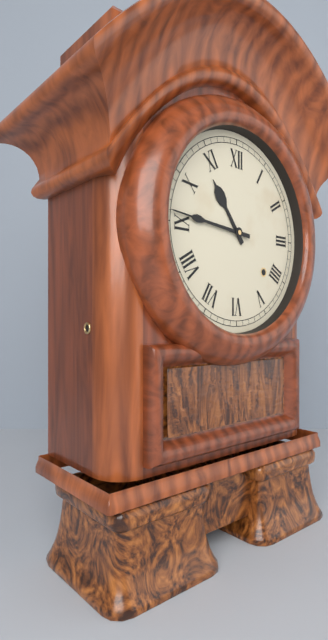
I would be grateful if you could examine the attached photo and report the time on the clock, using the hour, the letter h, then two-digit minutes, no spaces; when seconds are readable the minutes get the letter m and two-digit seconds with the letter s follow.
10h46
